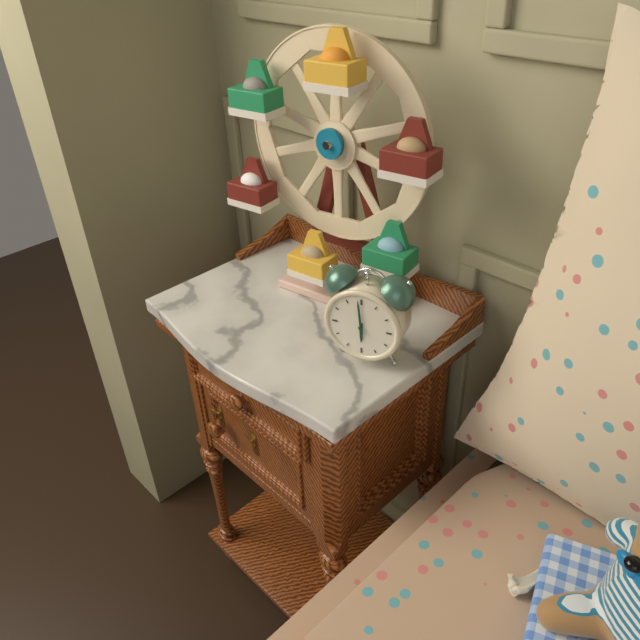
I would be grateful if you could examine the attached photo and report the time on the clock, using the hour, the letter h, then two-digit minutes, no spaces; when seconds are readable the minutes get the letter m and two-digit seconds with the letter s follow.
5h59
